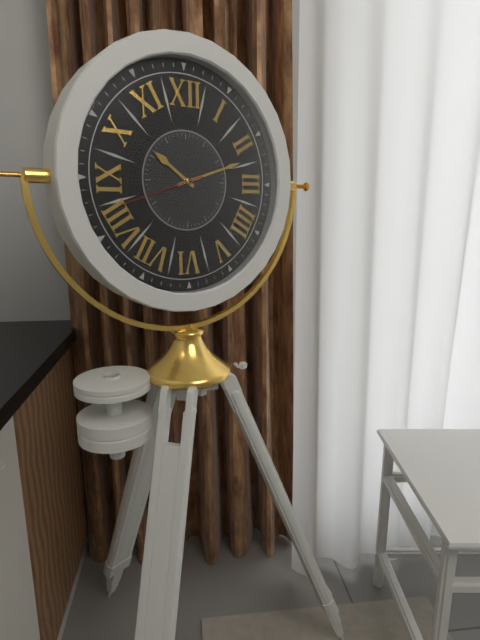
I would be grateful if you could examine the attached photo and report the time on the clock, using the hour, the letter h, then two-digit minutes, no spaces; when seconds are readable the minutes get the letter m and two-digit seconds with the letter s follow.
10h12m42s
